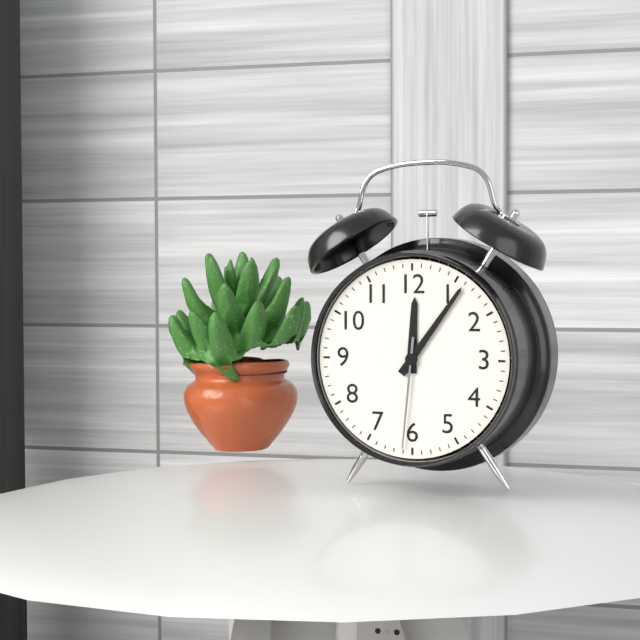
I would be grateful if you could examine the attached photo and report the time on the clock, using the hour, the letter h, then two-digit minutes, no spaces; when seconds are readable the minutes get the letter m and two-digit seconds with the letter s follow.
12h06m31s
